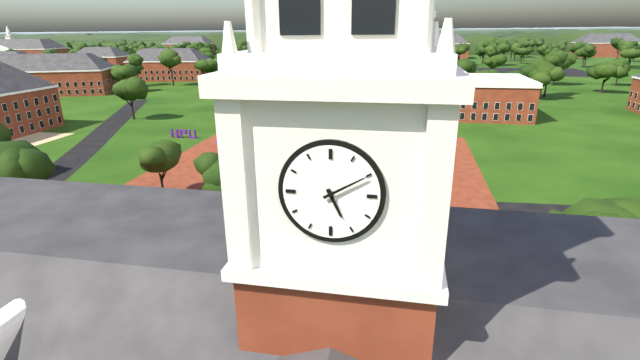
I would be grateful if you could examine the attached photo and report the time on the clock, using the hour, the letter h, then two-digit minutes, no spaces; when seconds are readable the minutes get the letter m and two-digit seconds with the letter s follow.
5h10
